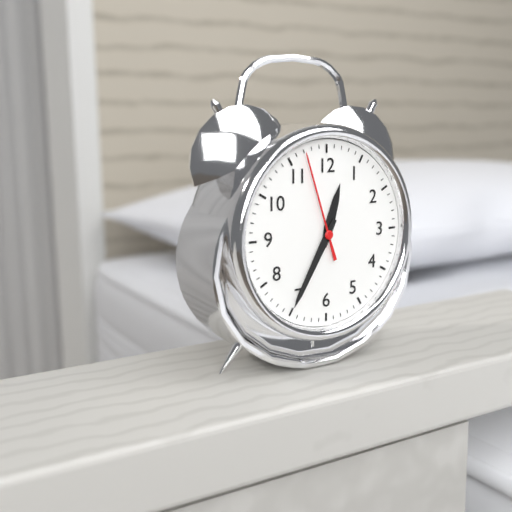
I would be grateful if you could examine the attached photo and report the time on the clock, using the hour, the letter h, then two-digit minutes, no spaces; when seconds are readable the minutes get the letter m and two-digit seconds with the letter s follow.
12h35m57s
